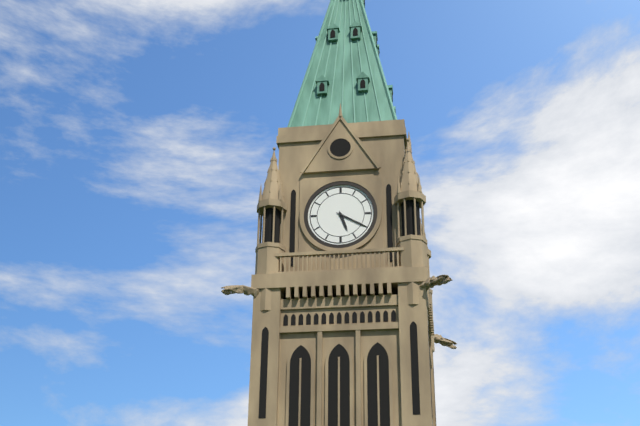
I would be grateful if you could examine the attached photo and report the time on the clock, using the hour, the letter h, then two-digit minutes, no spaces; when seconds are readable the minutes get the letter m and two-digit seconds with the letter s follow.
5h20
